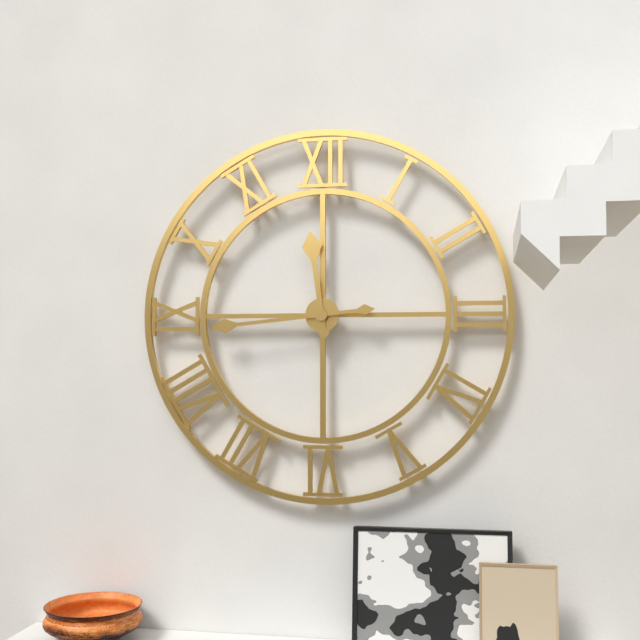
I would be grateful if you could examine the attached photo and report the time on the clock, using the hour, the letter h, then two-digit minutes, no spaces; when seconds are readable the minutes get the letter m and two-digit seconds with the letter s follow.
11h44
